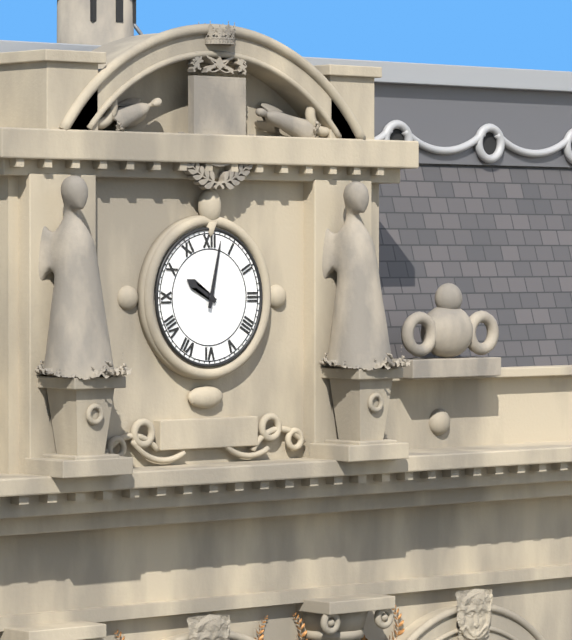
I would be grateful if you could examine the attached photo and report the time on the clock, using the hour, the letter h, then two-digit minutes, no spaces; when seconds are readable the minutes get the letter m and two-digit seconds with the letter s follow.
10h02
